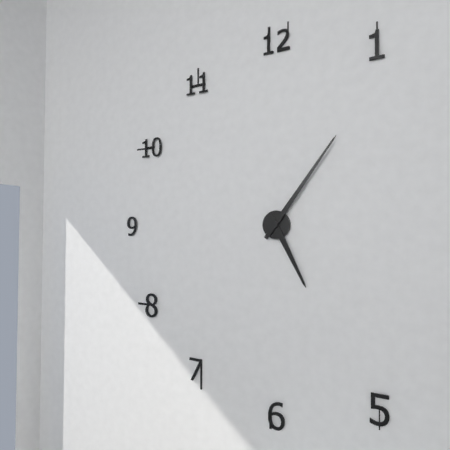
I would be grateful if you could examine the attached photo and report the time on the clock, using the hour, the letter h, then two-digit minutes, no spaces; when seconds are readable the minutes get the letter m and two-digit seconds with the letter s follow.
5h06
